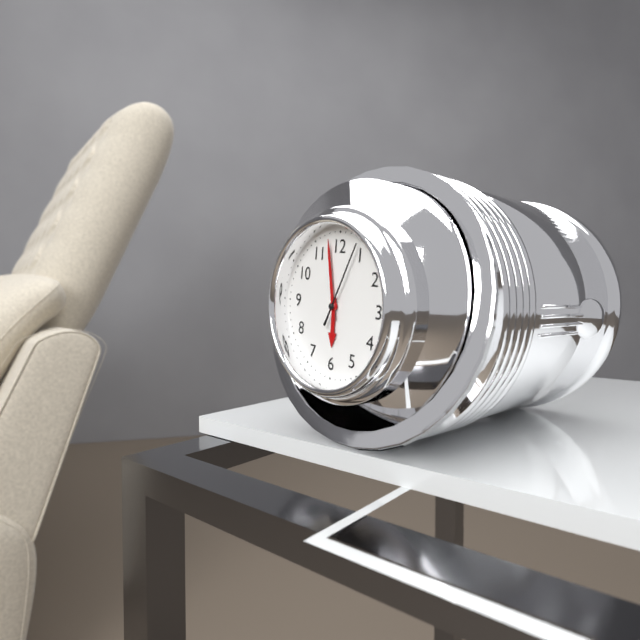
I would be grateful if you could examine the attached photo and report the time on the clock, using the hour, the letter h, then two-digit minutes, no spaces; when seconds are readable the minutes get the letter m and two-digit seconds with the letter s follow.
5h58m04s
